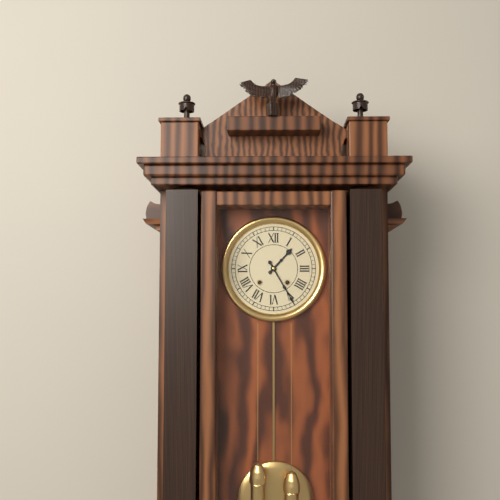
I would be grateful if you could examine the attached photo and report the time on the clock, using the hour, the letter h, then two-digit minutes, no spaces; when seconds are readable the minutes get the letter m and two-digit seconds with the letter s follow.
1h25
